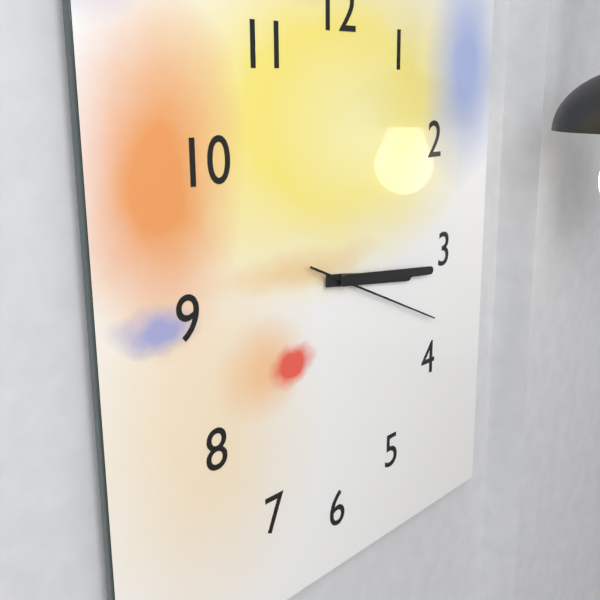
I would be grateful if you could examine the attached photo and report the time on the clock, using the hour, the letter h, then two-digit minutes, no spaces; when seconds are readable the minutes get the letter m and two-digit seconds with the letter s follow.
3h16m19s
